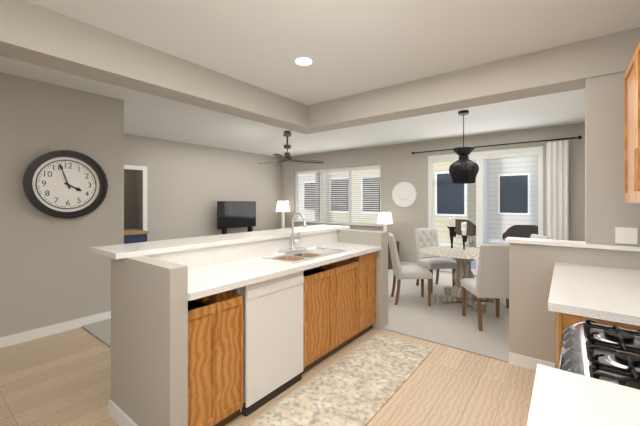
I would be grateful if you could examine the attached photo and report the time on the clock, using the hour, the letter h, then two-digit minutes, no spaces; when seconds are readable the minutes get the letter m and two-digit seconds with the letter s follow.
3h57
